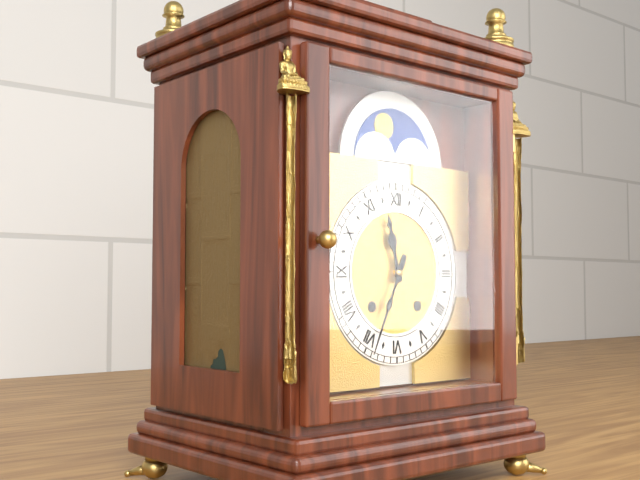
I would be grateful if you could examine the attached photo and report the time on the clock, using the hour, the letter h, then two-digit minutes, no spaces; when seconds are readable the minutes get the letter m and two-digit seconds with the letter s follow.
11h34
